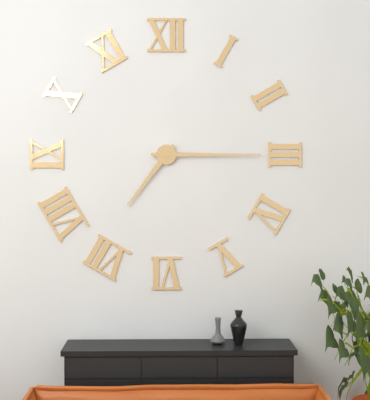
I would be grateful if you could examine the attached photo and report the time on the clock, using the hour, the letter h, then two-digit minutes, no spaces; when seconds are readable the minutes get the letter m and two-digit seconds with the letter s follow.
7h15
